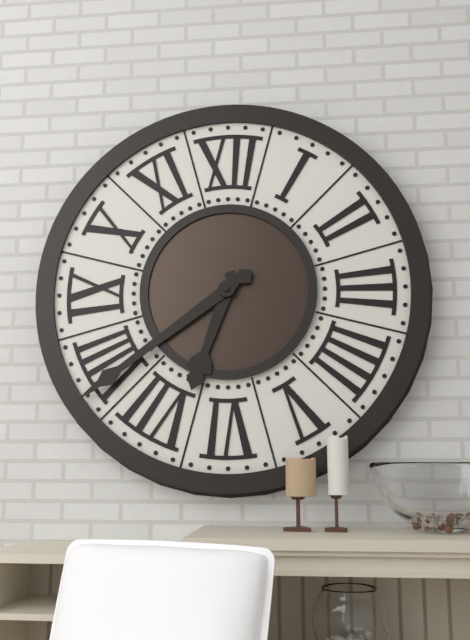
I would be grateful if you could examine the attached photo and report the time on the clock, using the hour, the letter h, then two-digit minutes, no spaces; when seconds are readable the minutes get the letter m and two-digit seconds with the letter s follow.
6h39
